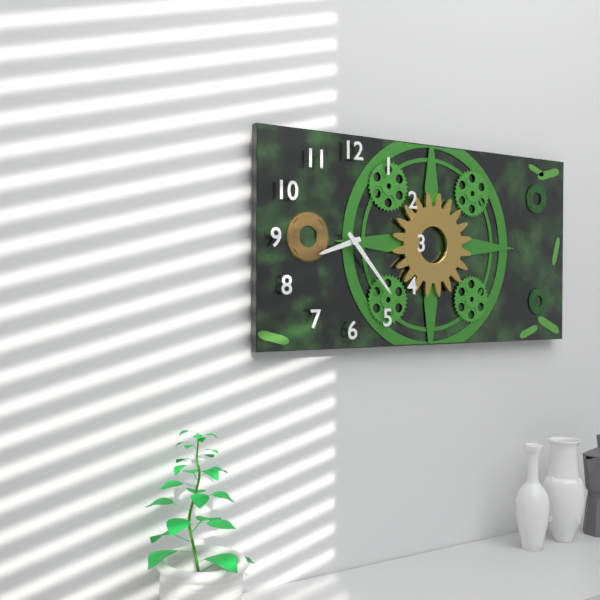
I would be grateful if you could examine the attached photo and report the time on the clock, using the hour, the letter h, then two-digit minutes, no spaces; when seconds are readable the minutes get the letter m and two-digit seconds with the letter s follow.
8h23
